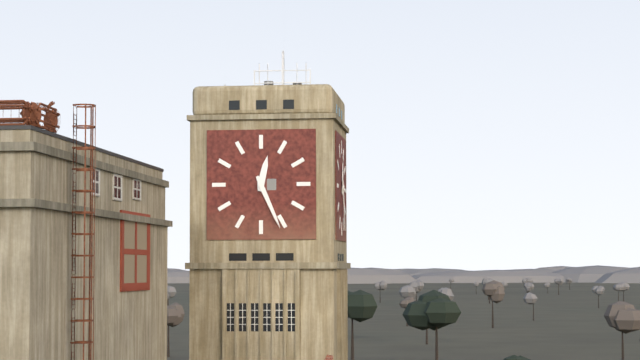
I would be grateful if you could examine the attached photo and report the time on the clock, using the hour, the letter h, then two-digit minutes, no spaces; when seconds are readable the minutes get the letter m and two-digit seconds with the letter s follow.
12h26
